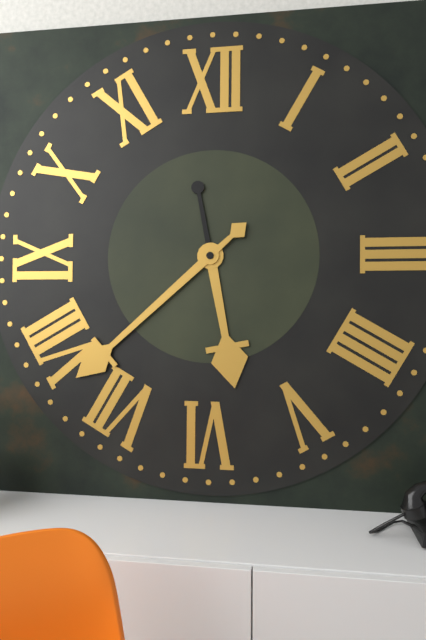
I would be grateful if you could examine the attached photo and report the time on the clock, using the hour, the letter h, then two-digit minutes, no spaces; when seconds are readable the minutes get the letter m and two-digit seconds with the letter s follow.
5h38
